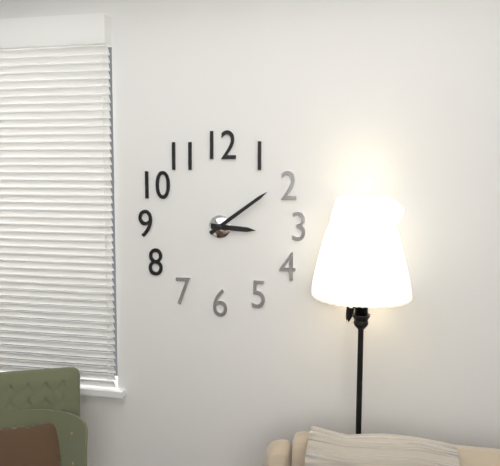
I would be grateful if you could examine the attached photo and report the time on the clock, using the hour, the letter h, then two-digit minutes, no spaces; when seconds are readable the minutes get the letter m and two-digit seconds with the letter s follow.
3h09
